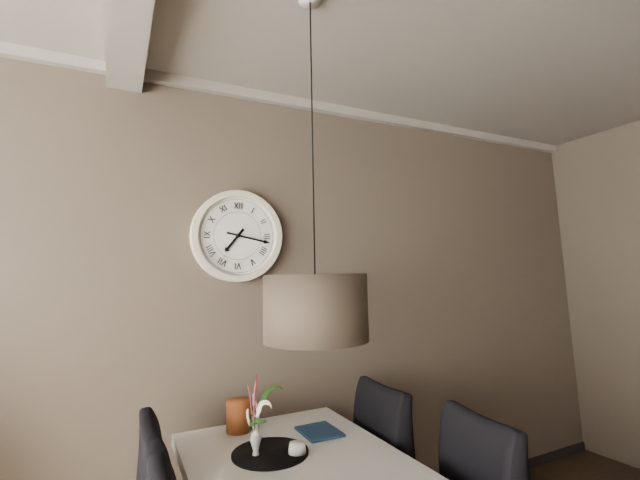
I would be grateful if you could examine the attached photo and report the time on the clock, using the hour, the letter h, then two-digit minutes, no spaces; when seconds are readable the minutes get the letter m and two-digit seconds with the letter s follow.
7h17
